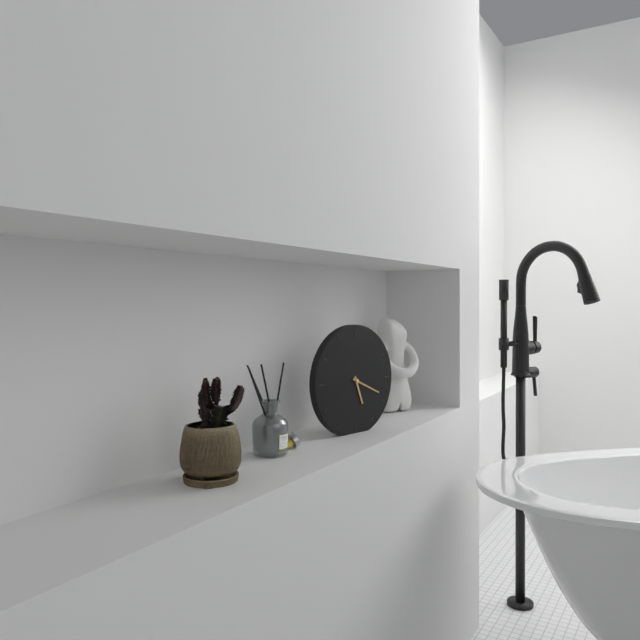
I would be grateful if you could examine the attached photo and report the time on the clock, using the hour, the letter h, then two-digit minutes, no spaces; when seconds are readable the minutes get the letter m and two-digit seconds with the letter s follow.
5h19
